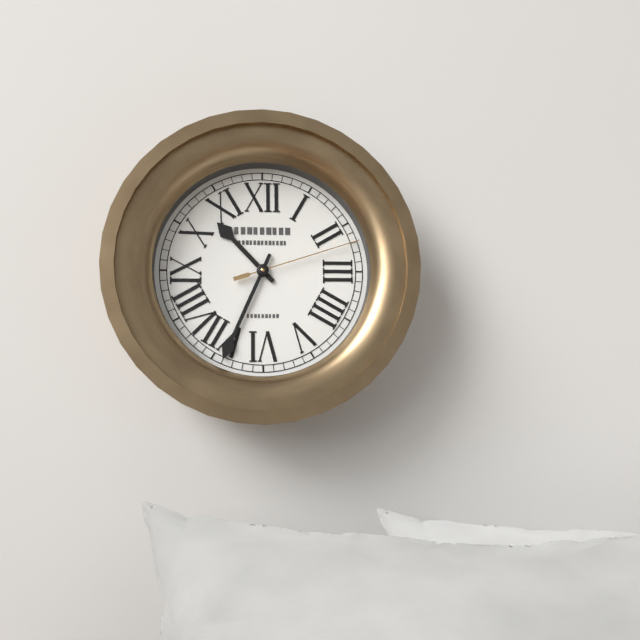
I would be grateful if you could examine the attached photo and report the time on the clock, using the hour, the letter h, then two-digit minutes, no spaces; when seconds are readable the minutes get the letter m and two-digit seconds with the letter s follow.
10h34m12s
